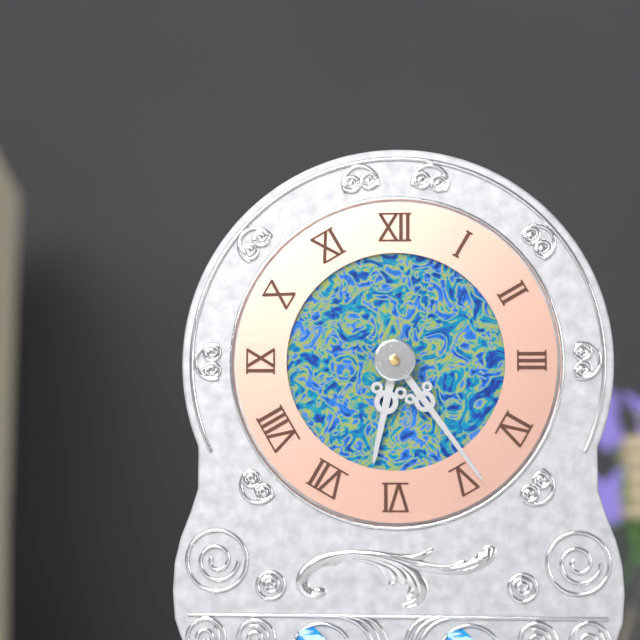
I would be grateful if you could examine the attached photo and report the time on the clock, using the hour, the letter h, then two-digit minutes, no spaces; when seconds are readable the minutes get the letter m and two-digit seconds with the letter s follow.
6h24
